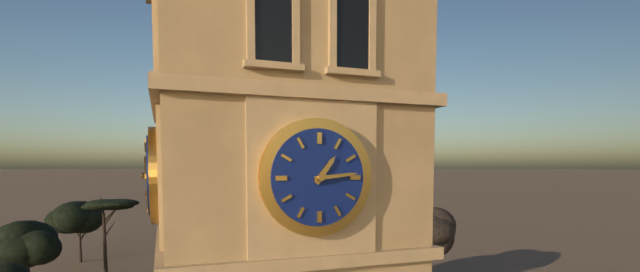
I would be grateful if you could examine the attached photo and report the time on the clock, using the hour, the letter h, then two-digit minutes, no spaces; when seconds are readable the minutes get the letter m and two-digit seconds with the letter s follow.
1h14
